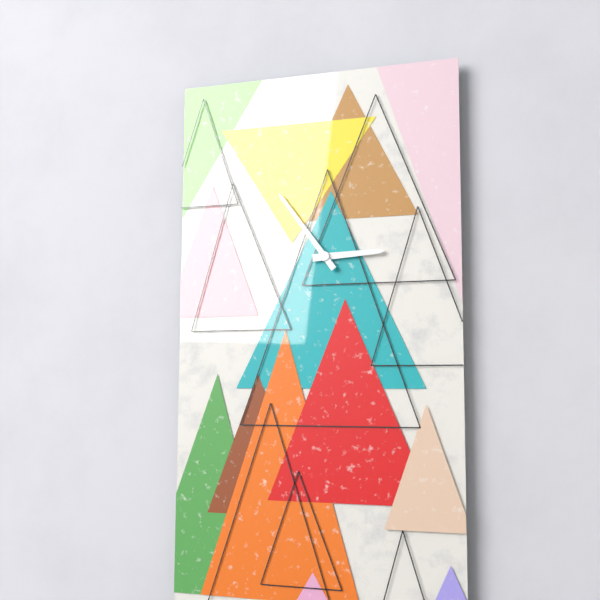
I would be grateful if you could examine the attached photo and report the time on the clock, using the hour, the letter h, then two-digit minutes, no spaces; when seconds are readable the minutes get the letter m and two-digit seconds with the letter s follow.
2h54
